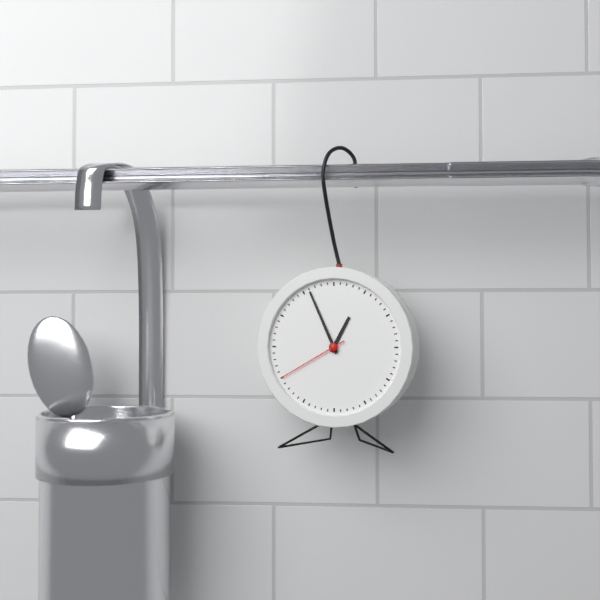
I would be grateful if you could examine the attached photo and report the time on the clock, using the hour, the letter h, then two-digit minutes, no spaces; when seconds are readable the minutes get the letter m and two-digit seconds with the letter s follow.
12h56m40s
